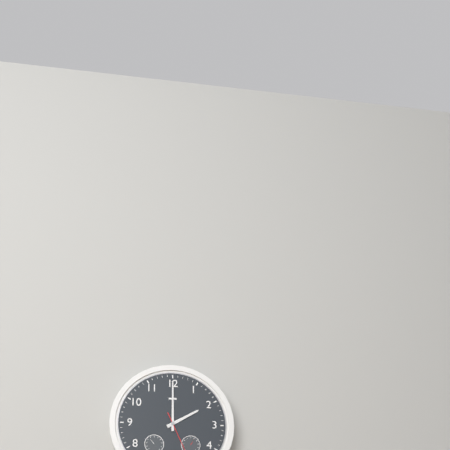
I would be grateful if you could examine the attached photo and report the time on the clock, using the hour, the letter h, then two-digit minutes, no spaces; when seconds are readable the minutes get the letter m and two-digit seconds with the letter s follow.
2h00
